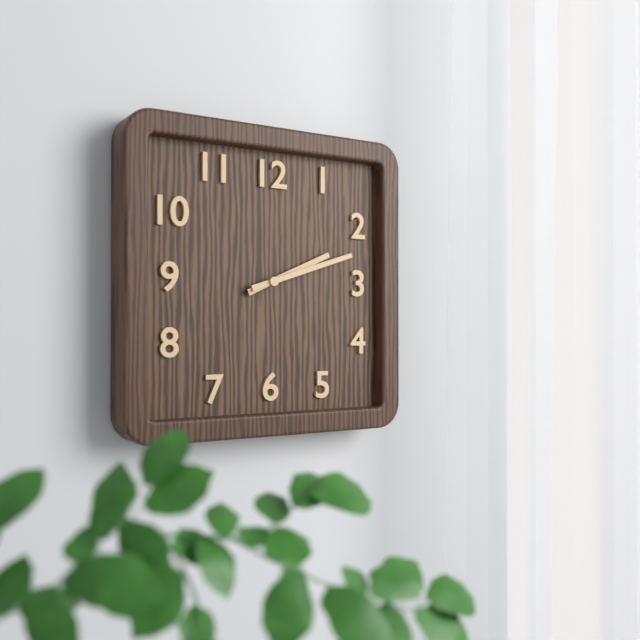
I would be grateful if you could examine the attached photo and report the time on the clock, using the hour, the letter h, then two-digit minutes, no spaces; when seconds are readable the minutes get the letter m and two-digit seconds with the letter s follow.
2h12
